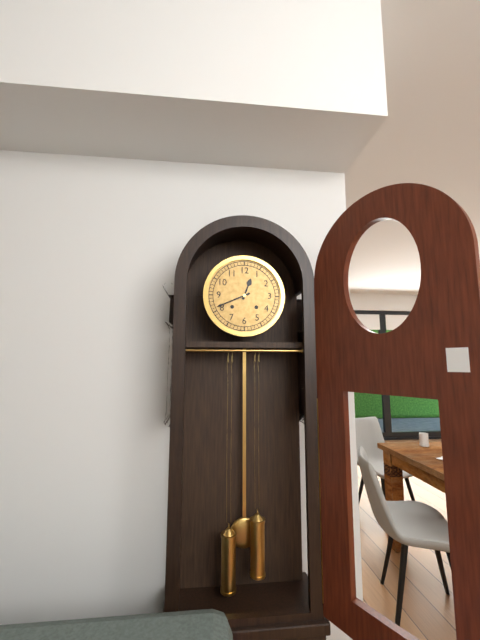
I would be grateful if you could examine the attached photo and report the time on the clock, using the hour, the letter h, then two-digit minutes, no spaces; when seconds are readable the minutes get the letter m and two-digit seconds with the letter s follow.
12h41
